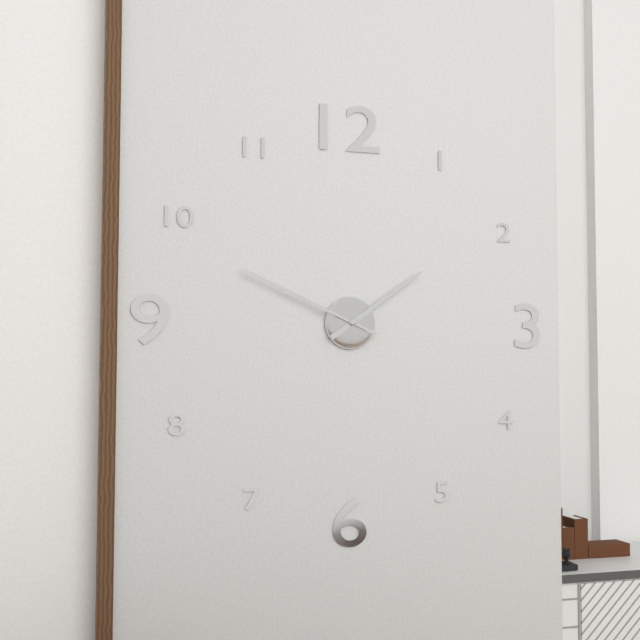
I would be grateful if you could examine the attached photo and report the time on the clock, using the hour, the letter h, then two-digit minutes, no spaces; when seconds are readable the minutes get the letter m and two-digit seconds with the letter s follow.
1h49
